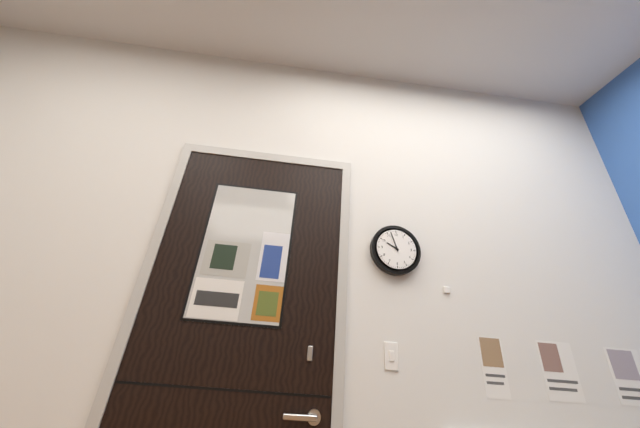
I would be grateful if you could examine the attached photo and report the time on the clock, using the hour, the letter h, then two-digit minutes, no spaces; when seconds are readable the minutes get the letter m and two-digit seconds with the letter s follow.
9h57
